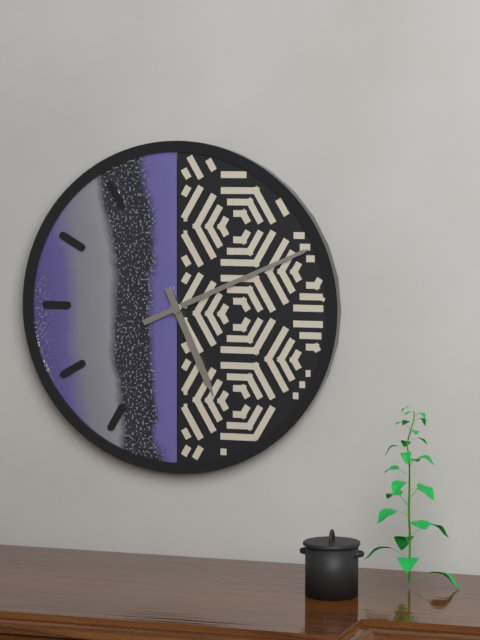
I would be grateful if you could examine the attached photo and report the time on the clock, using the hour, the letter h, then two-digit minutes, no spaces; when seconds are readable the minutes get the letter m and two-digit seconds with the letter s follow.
5h11
